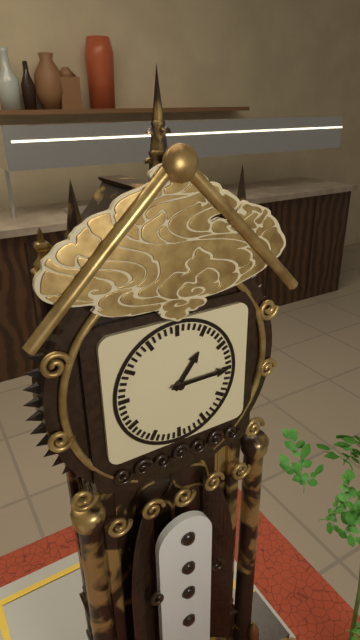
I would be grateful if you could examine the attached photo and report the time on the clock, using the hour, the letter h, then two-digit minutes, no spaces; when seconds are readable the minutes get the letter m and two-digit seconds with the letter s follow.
1h15
